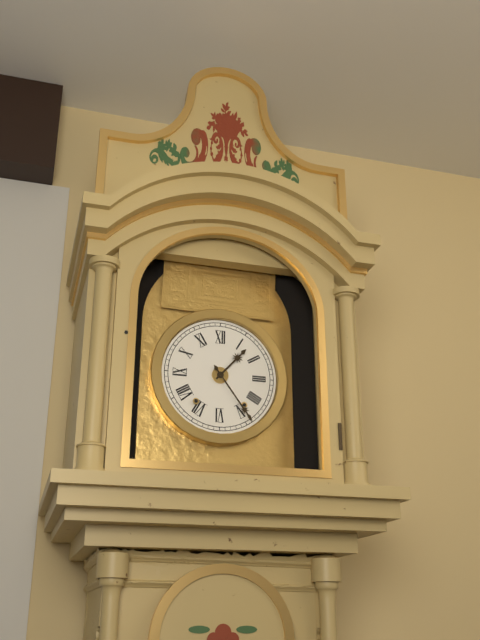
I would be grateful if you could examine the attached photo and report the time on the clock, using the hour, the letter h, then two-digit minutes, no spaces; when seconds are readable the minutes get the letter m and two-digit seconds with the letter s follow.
1h24
